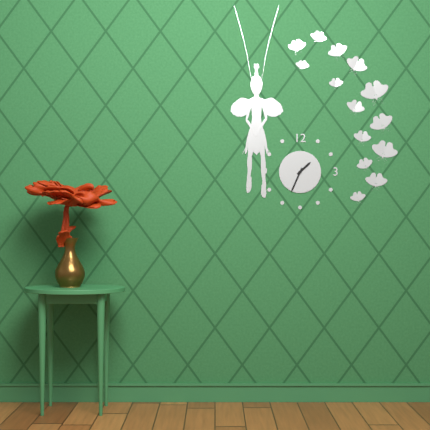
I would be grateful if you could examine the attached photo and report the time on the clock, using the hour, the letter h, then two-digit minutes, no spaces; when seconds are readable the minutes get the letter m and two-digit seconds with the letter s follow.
1h34
